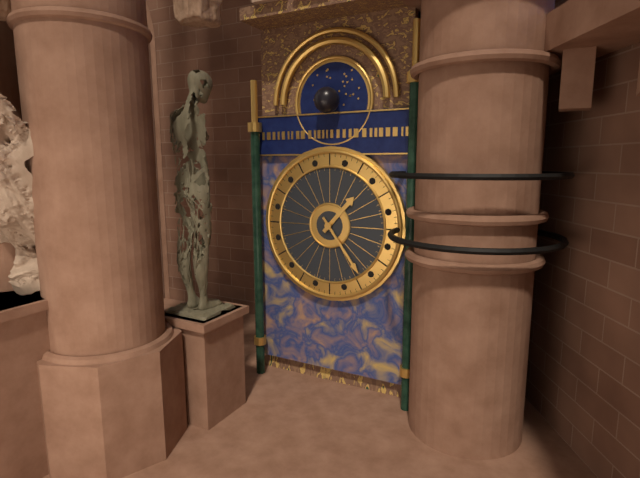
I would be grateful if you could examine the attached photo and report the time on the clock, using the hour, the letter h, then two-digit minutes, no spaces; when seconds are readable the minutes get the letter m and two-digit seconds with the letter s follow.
1h24
